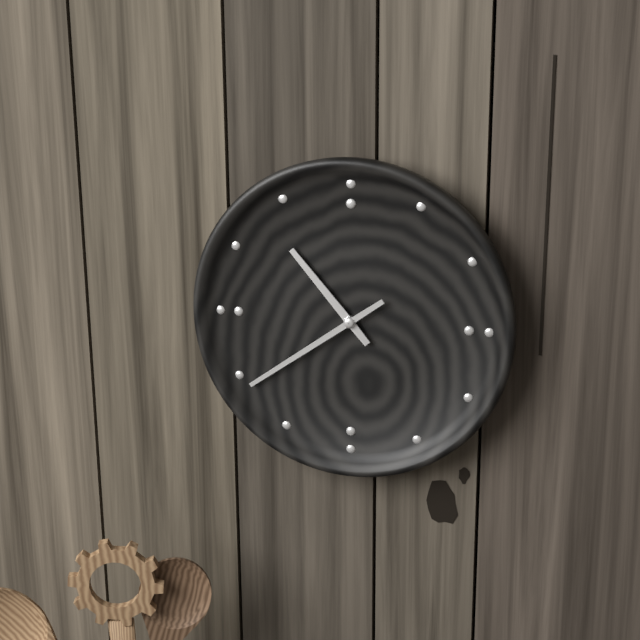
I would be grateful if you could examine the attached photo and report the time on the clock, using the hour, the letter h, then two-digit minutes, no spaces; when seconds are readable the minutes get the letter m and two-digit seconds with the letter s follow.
10h39
